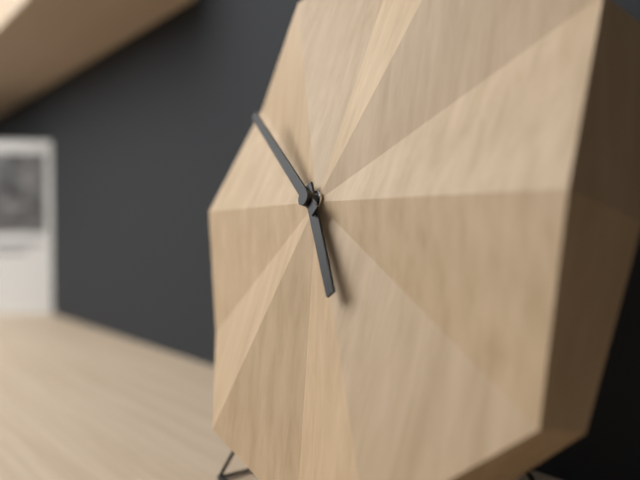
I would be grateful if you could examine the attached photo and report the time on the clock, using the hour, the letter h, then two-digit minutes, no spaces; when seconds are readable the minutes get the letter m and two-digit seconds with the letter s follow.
4h51
